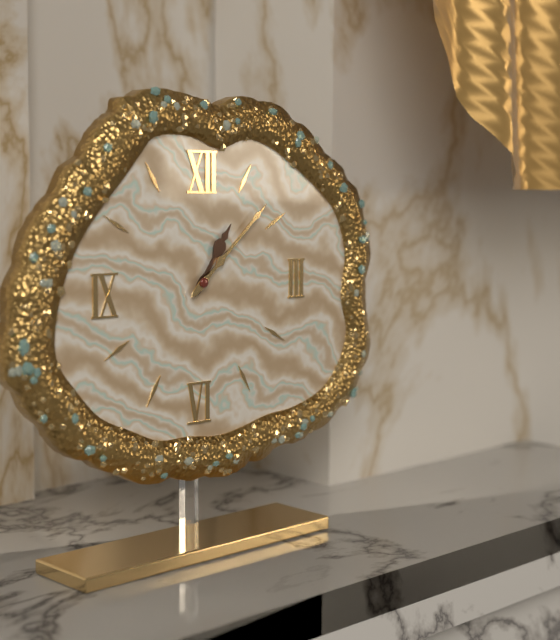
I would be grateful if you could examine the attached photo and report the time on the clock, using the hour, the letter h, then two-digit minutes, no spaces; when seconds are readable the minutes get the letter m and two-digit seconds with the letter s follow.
1h08
